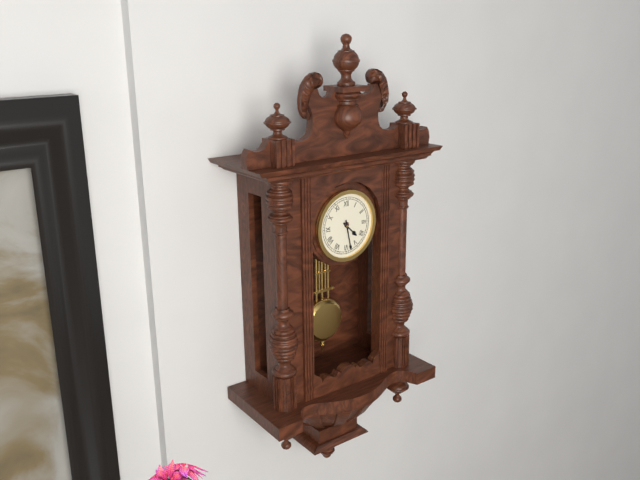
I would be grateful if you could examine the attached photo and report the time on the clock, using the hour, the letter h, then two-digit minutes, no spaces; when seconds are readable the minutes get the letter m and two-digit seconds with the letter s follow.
4h28
